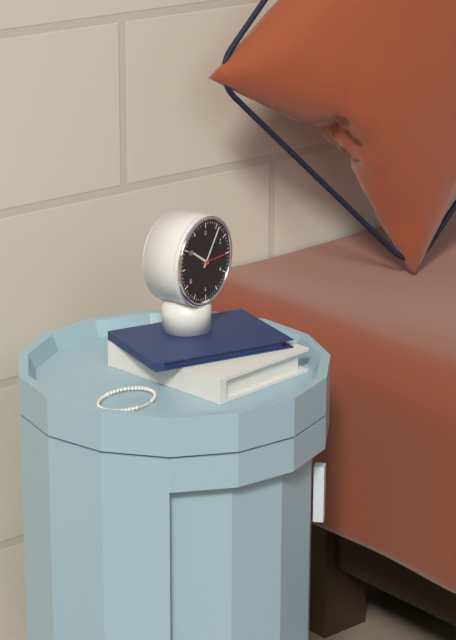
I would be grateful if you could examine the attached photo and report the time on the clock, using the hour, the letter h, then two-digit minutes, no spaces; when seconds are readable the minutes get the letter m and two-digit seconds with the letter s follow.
10h06
